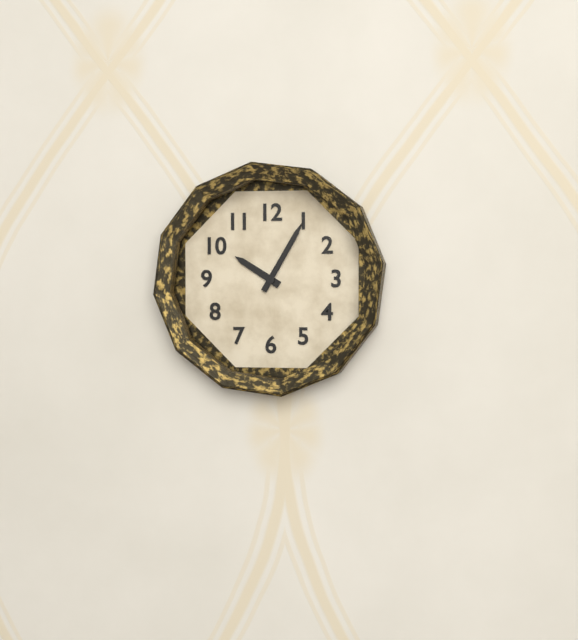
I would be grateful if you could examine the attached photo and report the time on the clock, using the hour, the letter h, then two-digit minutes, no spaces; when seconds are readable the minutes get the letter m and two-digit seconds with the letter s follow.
10h05
